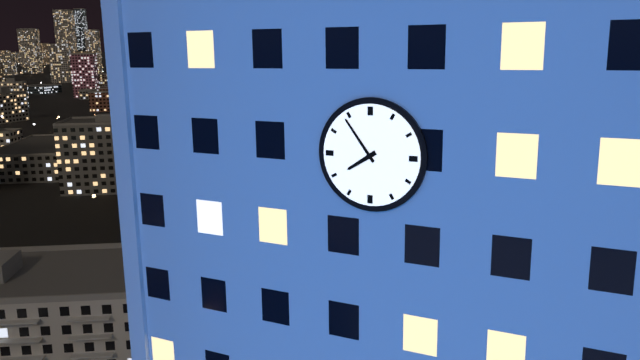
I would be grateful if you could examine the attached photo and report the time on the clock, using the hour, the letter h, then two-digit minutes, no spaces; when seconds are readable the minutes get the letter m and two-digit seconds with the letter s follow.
7h54
